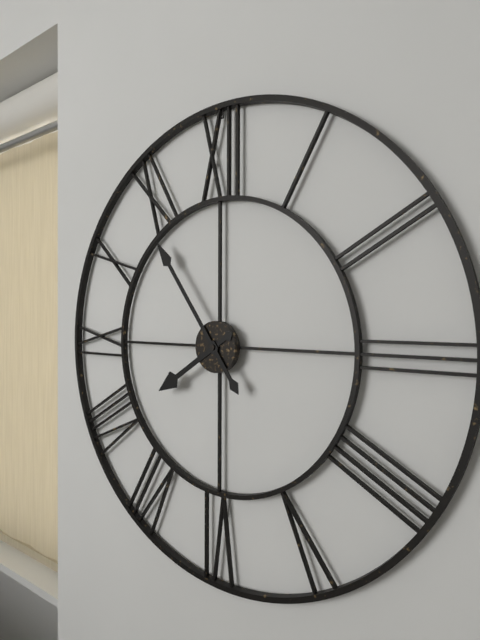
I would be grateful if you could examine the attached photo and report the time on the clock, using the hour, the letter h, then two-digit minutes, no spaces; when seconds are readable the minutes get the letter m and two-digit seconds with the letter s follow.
7h54
